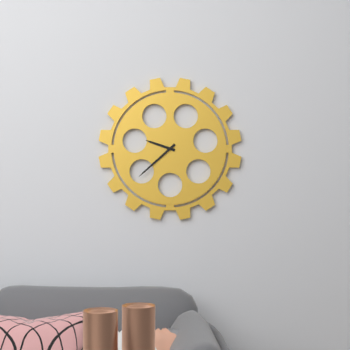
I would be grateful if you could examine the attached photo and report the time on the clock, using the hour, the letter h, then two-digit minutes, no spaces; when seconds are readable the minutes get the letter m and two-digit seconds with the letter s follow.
9h38
